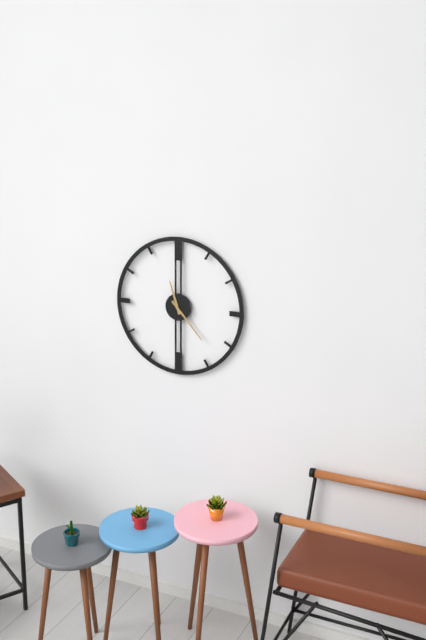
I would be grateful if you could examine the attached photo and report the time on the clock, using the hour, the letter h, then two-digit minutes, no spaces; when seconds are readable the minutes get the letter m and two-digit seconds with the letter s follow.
11h23
